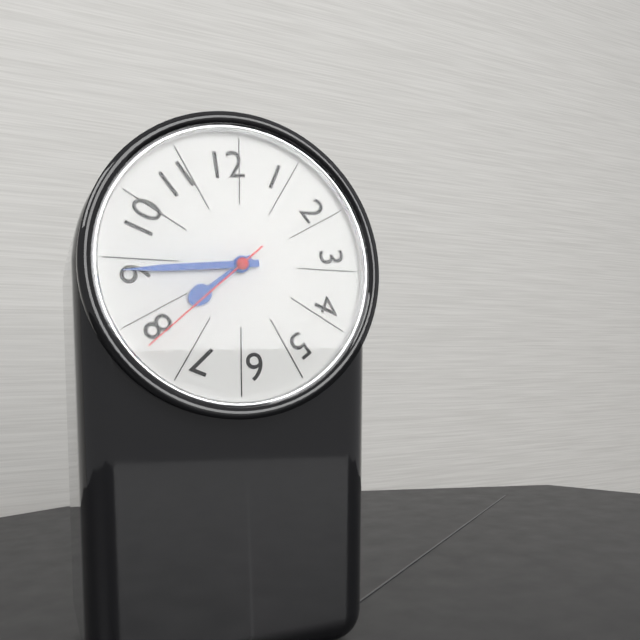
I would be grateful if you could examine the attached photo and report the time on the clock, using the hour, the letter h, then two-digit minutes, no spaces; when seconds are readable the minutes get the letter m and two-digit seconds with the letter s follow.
7h44m38s
